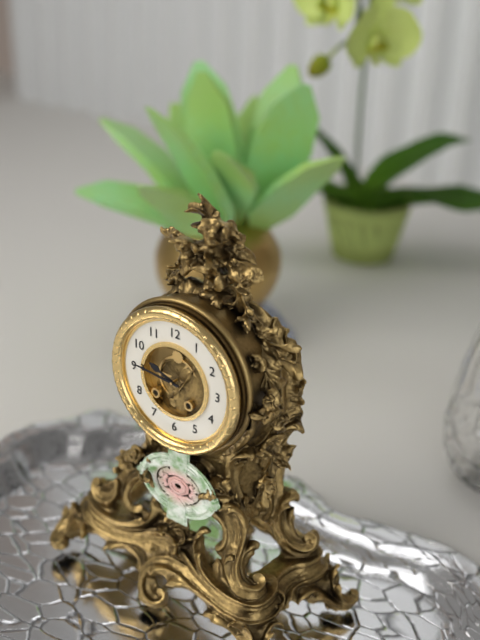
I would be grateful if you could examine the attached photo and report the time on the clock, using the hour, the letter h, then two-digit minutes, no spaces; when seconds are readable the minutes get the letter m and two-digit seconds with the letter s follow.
9h46
